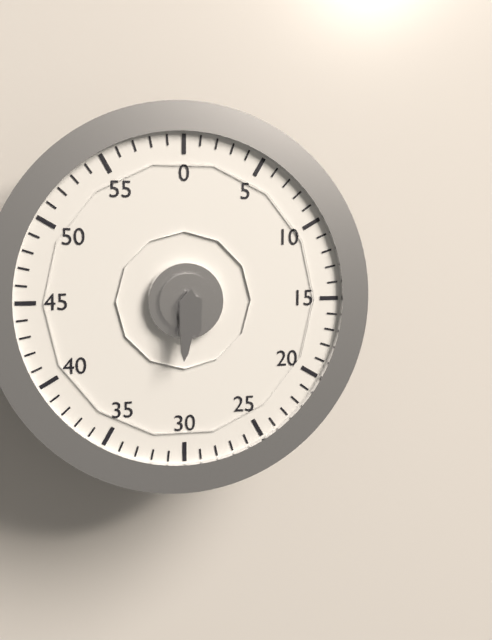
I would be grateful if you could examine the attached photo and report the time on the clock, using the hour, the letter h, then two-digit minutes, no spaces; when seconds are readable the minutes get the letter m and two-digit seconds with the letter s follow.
5h31
